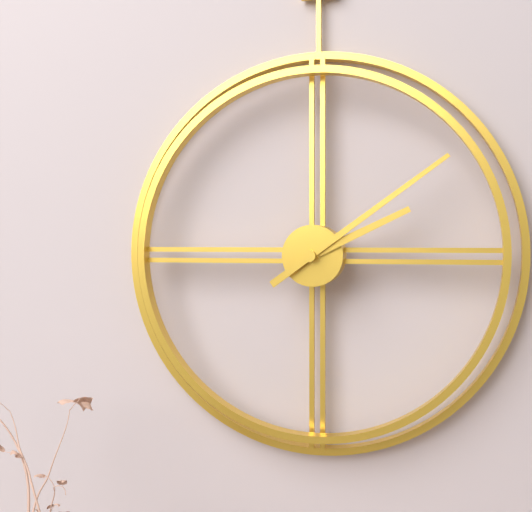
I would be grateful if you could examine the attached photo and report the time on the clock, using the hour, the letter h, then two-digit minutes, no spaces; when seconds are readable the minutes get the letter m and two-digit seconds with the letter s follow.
2h09
